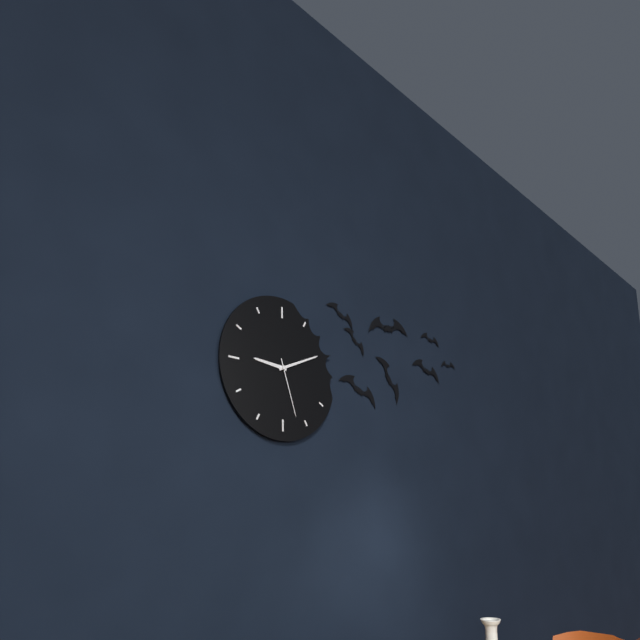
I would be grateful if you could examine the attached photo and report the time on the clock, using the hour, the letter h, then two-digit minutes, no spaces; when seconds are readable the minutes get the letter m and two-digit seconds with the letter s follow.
9h11m27s
